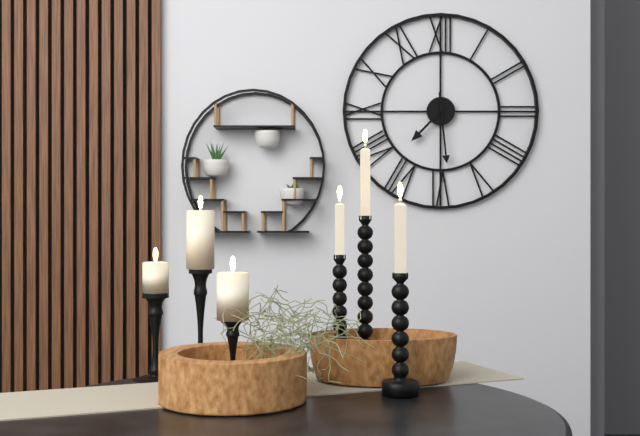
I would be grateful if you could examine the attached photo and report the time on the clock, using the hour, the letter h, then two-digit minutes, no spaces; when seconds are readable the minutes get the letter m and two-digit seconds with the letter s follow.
7h29
